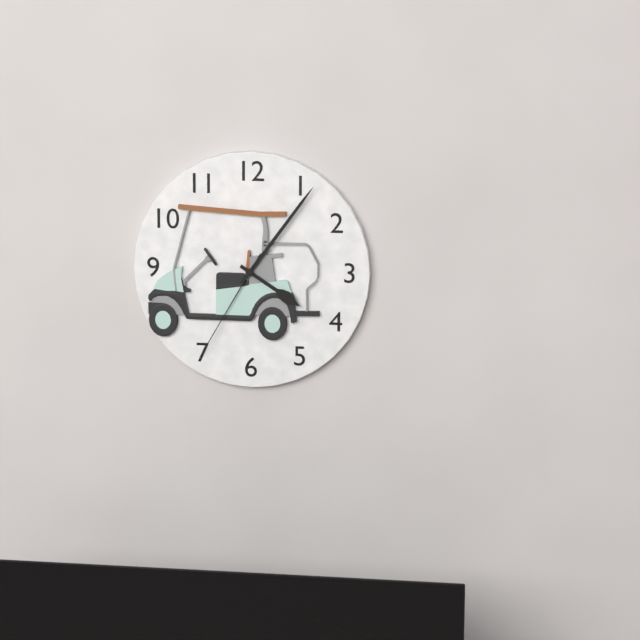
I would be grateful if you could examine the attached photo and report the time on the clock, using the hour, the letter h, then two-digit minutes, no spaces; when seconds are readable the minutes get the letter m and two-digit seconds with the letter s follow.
4h06m35s
